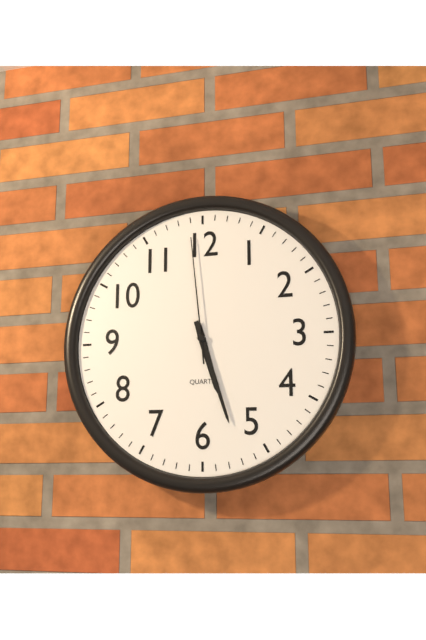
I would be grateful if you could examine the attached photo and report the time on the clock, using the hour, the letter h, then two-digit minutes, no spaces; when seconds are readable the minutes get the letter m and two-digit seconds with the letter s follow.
5h27m59s
